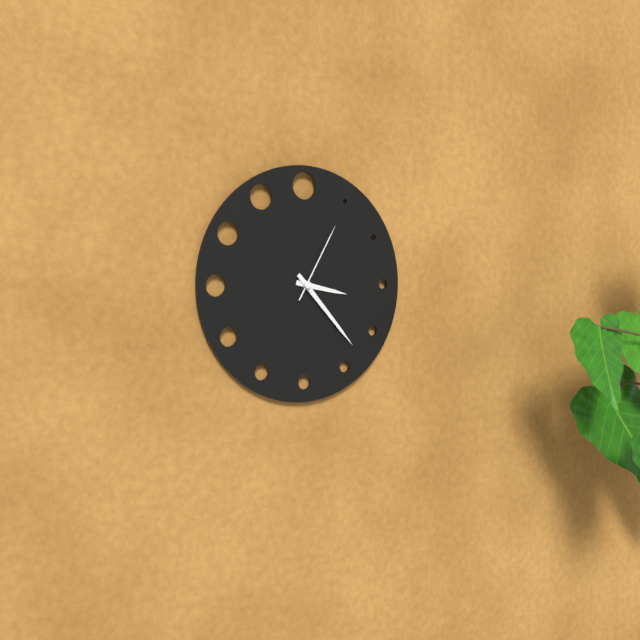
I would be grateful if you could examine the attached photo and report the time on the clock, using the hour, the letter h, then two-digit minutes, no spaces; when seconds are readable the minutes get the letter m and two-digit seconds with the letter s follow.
3h23m05s
